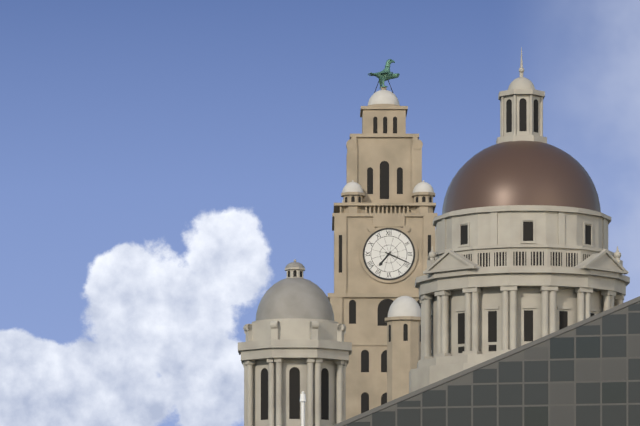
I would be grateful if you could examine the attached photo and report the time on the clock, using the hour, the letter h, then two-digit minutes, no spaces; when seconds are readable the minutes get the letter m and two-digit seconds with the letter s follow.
7h19
